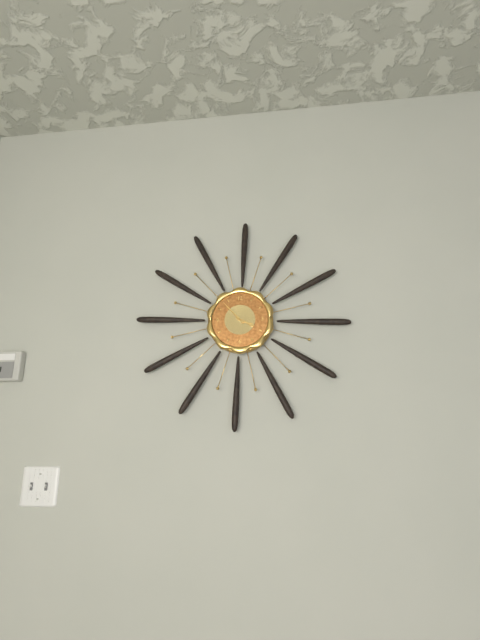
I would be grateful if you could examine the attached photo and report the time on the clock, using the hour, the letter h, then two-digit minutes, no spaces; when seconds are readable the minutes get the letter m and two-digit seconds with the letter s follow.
3h53
